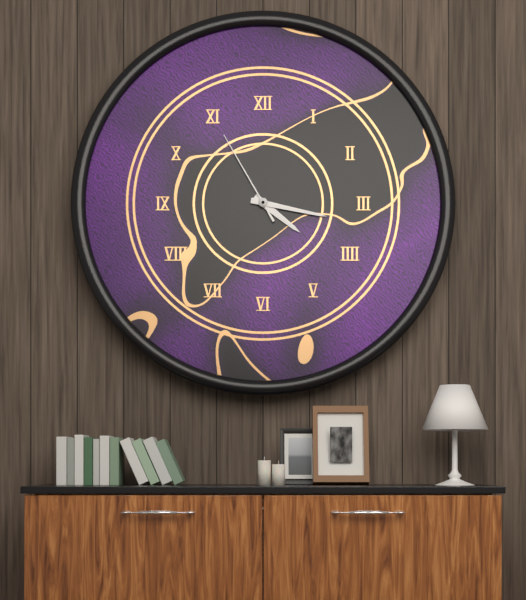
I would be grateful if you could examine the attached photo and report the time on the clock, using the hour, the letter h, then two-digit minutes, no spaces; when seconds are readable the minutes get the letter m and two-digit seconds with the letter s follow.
4h17m55s
